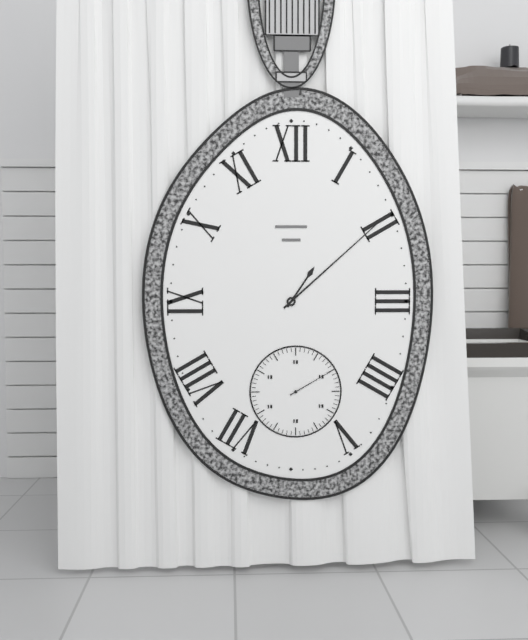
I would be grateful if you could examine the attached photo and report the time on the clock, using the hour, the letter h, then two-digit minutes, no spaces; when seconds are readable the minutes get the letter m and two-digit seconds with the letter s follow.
1h08
